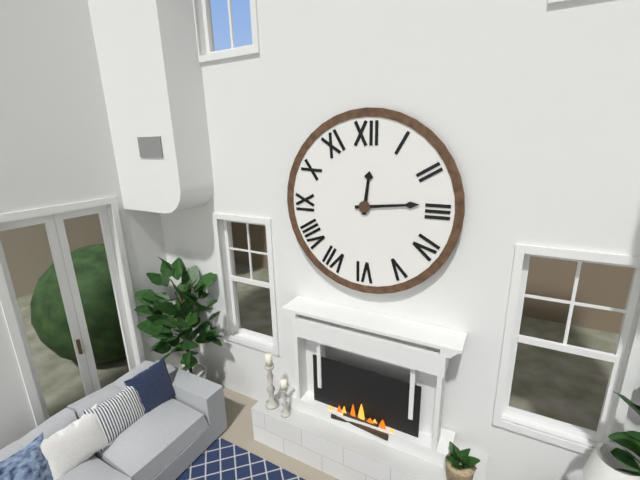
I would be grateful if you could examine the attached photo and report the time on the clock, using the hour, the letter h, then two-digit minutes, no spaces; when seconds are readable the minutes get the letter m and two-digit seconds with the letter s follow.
12h14
